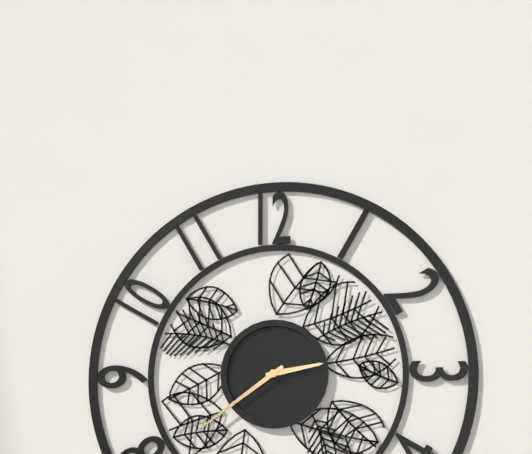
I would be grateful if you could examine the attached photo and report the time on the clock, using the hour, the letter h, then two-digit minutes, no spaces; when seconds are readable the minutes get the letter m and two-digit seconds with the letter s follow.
2h39
